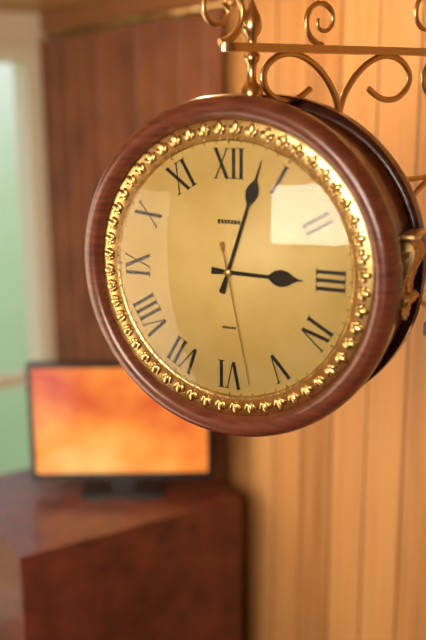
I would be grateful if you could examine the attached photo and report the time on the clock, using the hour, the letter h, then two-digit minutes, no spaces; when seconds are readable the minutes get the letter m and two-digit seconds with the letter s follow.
3h03m28s
